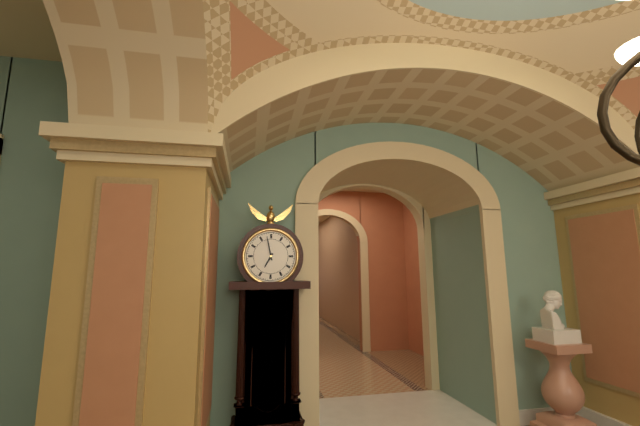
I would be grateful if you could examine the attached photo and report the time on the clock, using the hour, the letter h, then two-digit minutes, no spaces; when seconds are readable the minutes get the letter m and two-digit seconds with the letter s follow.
6h58
